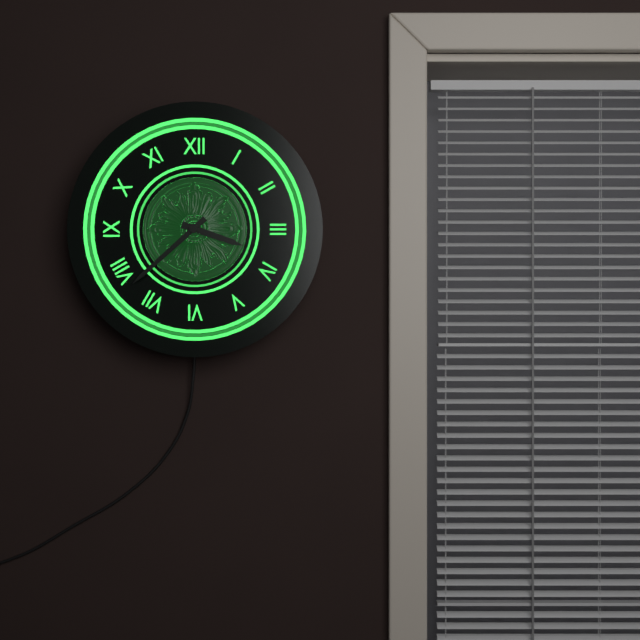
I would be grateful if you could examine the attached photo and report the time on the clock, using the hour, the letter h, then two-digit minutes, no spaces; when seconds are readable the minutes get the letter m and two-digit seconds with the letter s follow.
3h38
